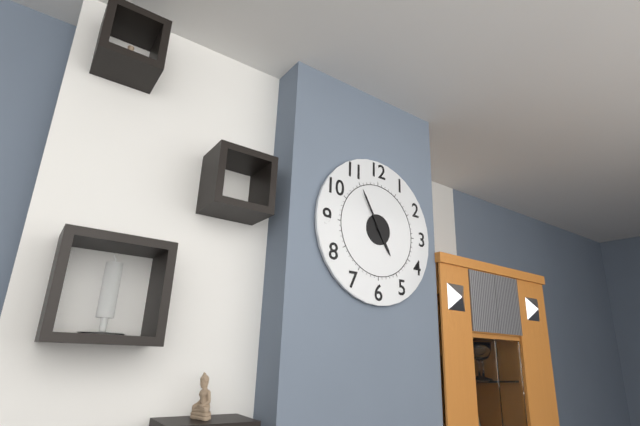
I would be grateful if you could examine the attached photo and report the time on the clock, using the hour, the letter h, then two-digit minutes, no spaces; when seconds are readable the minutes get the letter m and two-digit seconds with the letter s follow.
4h55
